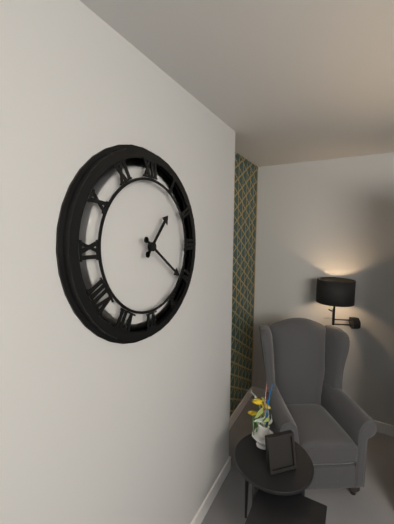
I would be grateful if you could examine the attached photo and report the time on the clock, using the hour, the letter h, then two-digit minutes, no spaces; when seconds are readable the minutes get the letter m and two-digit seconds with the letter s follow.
1h21
